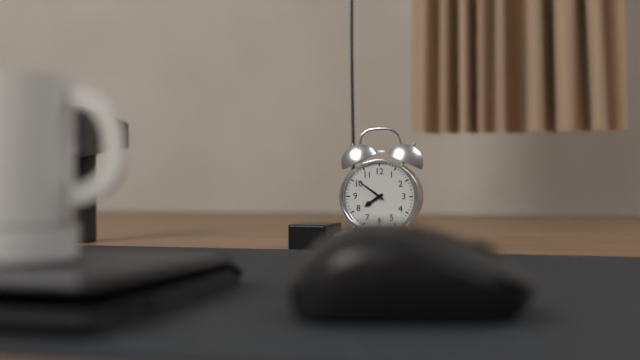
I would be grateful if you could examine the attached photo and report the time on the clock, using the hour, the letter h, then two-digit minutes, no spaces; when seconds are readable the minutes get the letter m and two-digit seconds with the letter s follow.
7h51
